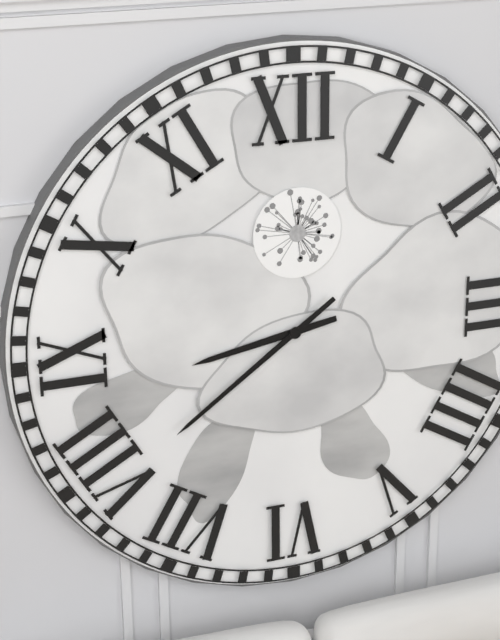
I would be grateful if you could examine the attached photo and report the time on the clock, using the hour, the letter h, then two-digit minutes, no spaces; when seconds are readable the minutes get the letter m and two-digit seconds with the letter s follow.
8h39
